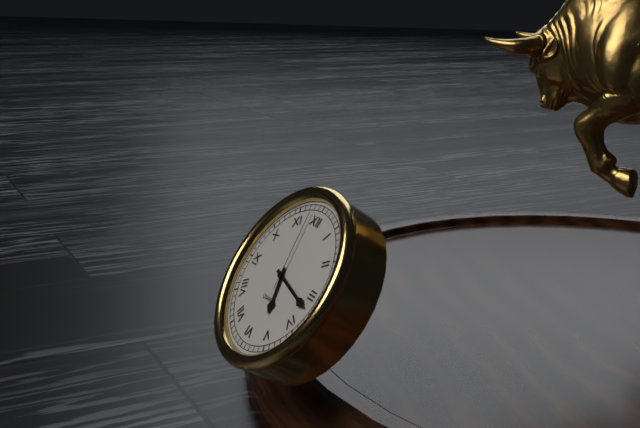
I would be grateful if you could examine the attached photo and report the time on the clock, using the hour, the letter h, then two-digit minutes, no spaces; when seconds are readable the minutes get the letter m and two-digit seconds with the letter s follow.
5h17m58s
